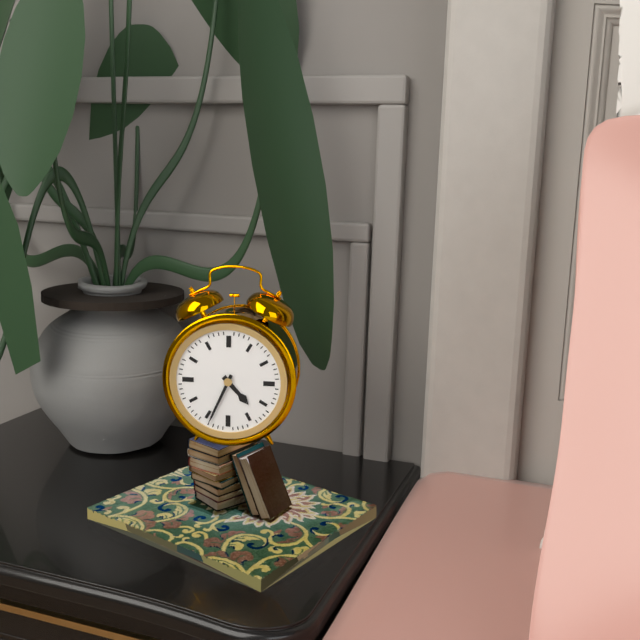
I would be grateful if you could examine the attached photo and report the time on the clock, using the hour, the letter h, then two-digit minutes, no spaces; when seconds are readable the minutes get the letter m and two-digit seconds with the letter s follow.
4h34
